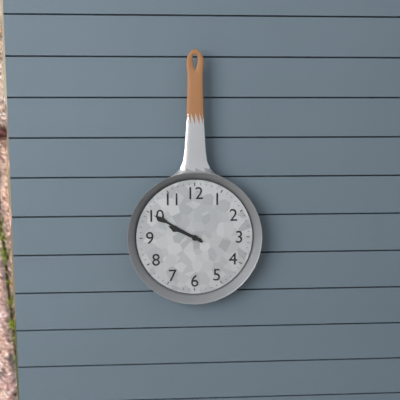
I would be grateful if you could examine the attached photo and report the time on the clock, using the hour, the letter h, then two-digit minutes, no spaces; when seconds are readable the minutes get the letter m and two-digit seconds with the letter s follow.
9h50
